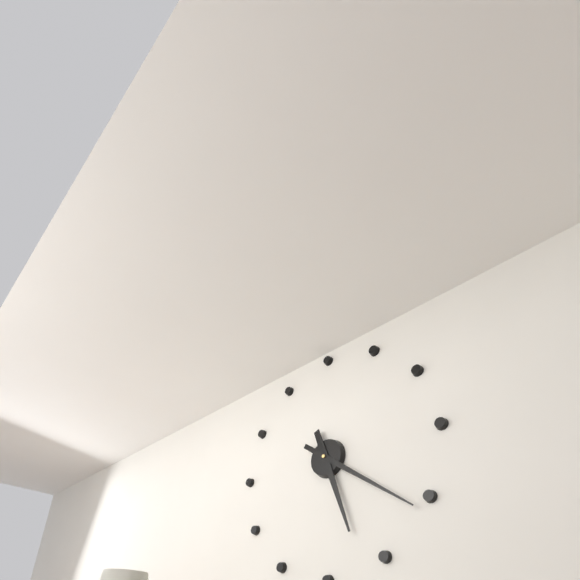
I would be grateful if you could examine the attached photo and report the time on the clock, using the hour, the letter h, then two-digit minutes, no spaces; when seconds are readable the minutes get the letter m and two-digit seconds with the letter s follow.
5h21
